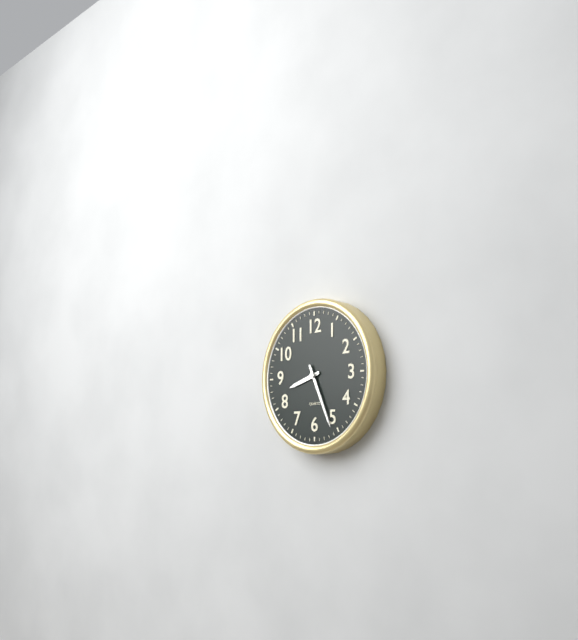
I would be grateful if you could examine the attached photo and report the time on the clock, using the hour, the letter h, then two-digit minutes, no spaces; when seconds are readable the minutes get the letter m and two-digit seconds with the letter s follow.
8h26
